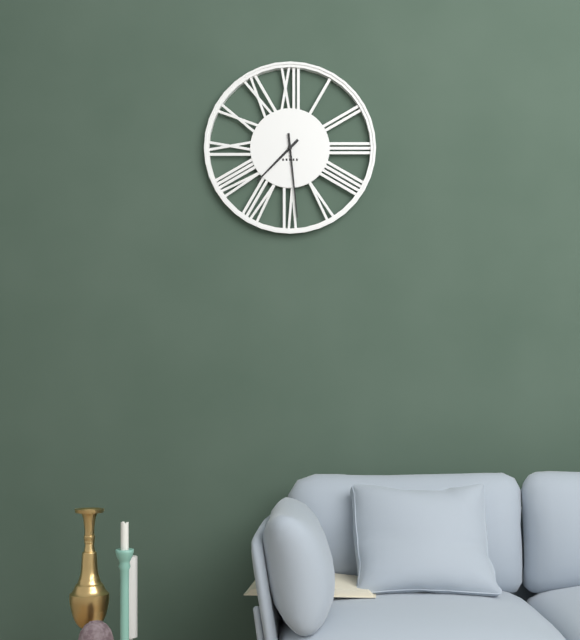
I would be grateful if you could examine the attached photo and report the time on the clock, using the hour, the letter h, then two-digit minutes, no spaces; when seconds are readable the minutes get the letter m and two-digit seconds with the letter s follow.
7h29
